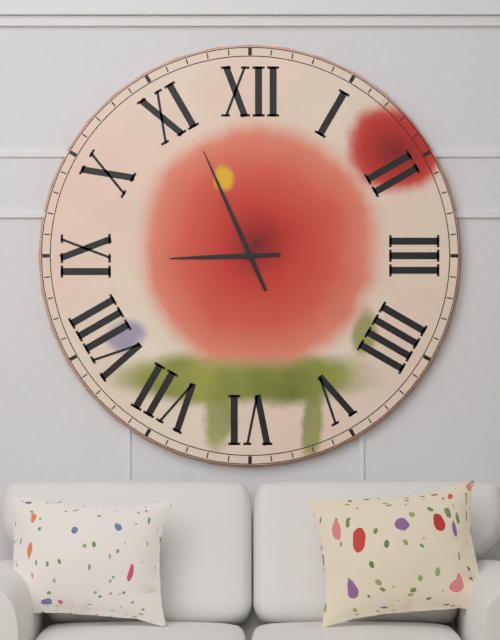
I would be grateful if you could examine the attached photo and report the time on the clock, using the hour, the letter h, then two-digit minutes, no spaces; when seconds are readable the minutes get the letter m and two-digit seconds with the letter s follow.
8h56
